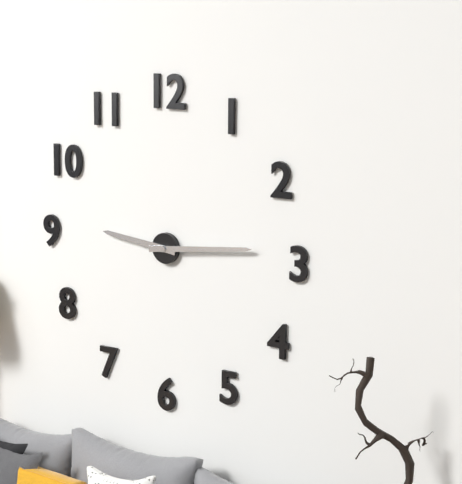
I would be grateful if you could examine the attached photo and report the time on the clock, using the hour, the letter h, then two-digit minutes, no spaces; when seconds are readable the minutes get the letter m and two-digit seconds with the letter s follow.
9h14
